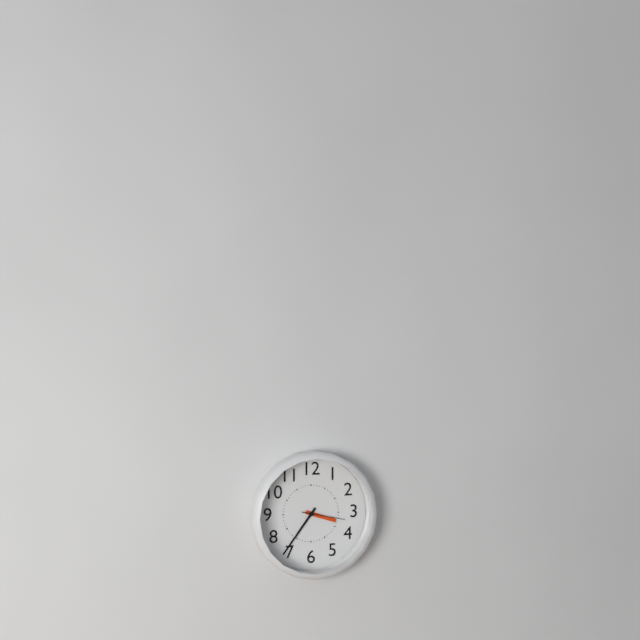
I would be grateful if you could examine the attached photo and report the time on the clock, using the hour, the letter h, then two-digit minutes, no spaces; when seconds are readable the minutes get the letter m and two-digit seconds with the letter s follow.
3h36
